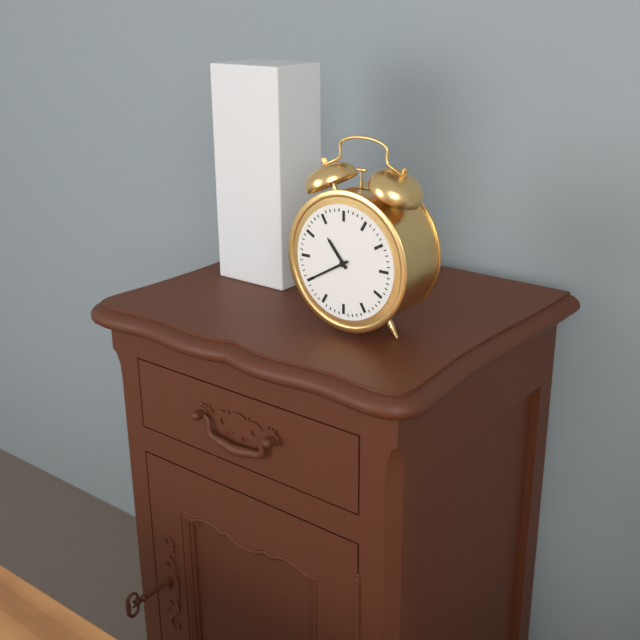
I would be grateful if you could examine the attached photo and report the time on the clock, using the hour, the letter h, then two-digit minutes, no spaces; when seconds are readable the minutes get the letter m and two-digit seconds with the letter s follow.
10h40
